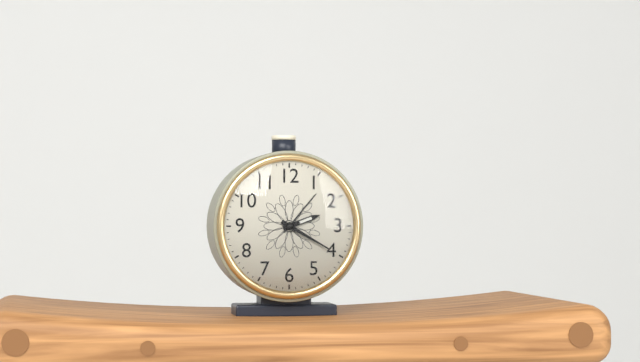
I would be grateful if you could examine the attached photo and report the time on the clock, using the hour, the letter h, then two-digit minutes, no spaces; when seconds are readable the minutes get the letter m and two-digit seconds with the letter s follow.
2h20
